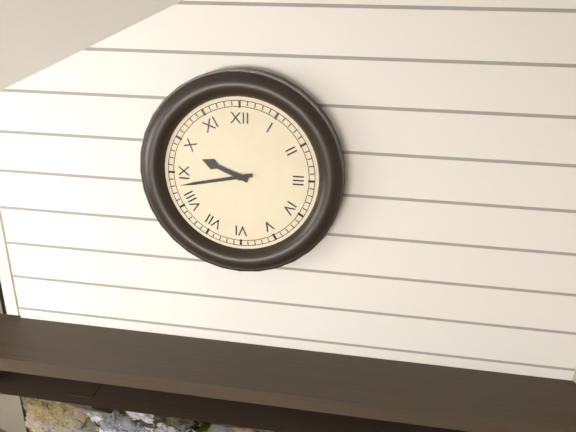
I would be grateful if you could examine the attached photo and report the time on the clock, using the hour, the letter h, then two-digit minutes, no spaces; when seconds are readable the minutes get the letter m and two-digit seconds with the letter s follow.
9h43
